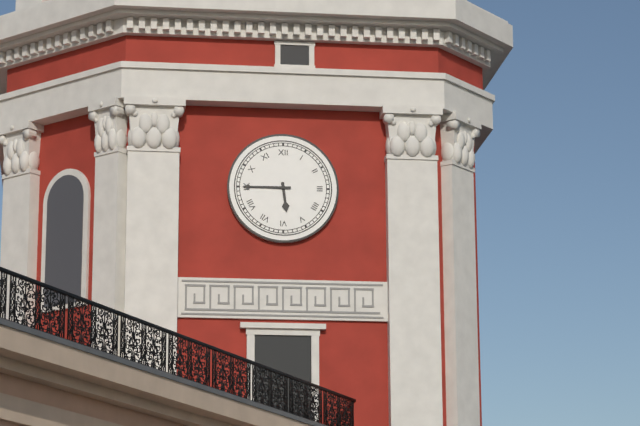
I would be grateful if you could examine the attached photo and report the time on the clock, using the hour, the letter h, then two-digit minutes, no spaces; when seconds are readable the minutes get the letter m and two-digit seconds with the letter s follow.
5h45
